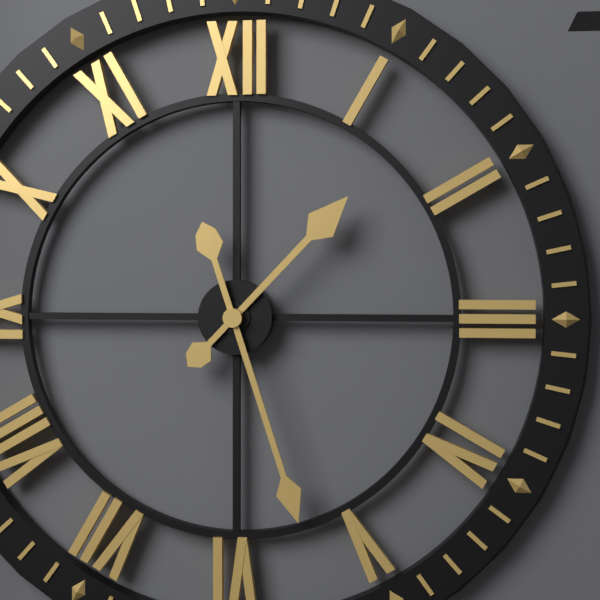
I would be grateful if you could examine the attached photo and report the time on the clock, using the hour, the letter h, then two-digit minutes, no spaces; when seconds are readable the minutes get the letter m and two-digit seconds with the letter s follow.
1h27
